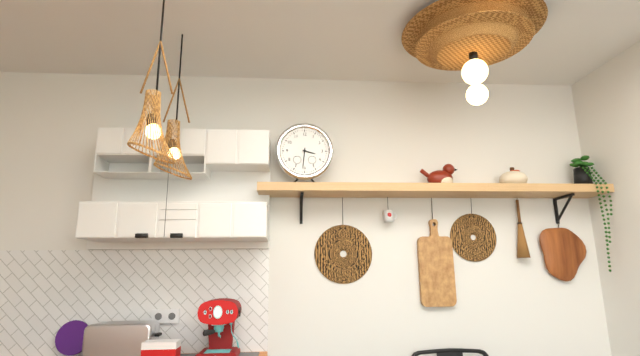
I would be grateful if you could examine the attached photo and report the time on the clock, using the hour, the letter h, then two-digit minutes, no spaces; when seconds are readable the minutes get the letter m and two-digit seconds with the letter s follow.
3h31
